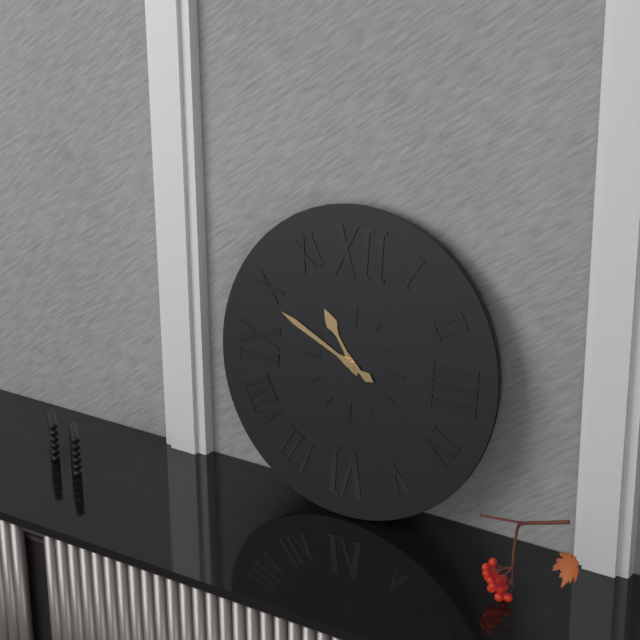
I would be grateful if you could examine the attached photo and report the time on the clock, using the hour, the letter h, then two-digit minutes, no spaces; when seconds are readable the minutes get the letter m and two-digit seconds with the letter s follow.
10h49
